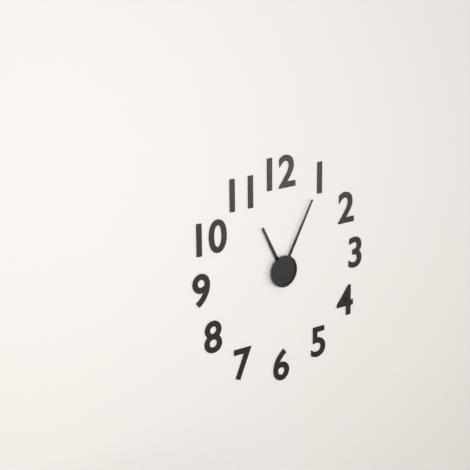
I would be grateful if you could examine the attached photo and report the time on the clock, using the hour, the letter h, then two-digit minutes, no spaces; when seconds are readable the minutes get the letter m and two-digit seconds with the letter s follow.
11h05
